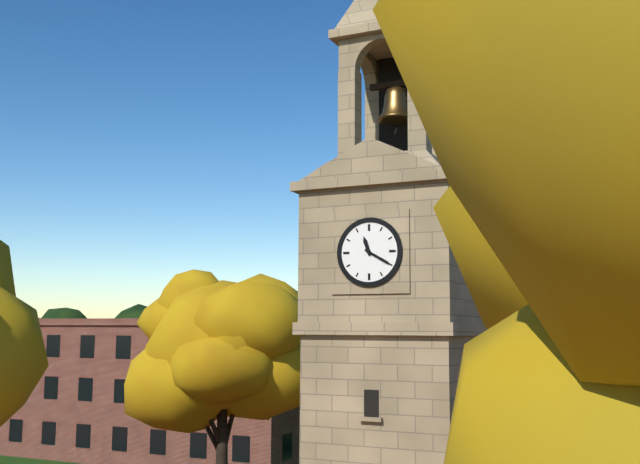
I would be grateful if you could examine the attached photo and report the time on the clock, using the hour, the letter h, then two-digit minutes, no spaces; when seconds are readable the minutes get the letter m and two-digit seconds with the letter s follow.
11h20
